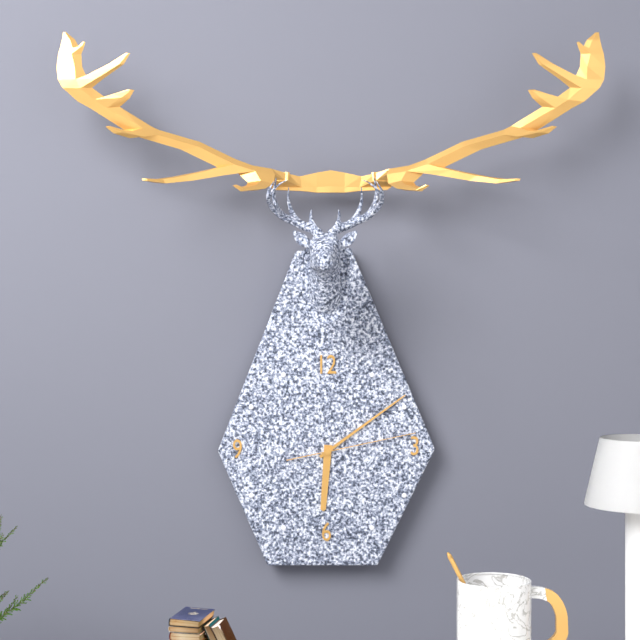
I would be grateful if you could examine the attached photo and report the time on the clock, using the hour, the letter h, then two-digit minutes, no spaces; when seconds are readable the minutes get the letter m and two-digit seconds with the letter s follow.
6h09m13s
